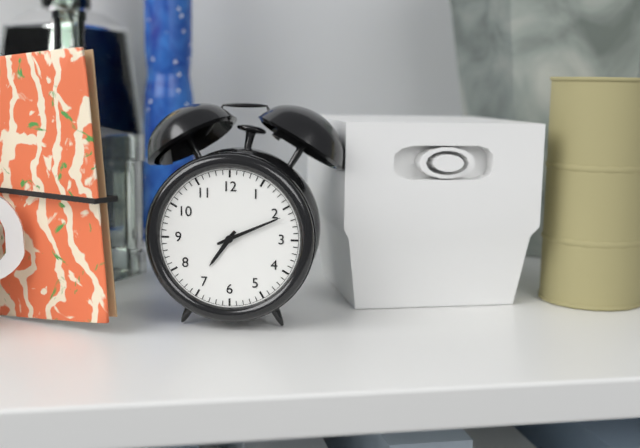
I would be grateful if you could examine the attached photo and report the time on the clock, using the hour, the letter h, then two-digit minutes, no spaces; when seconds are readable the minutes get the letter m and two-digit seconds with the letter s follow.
7h11
